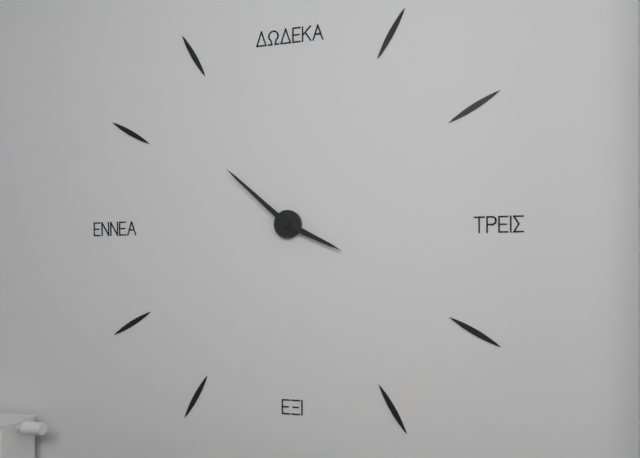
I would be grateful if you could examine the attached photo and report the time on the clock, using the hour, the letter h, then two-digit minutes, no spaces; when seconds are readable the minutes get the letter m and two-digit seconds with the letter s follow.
3h52
